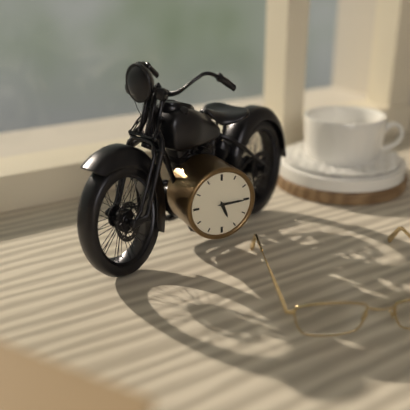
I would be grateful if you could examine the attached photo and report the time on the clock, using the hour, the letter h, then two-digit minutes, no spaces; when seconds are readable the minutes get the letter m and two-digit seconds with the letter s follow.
5h15
